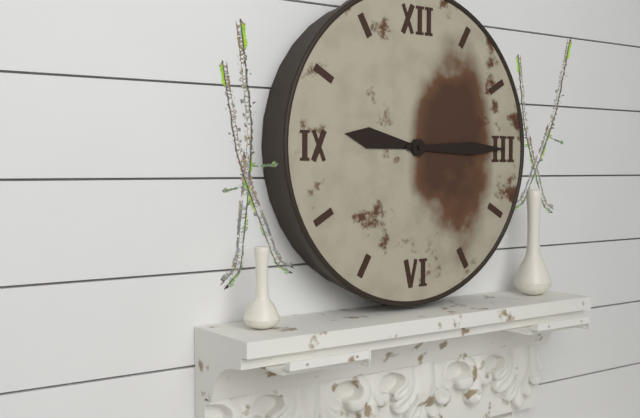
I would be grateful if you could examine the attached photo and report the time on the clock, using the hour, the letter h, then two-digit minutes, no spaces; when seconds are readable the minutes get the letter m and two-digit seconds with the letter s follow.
9h15
